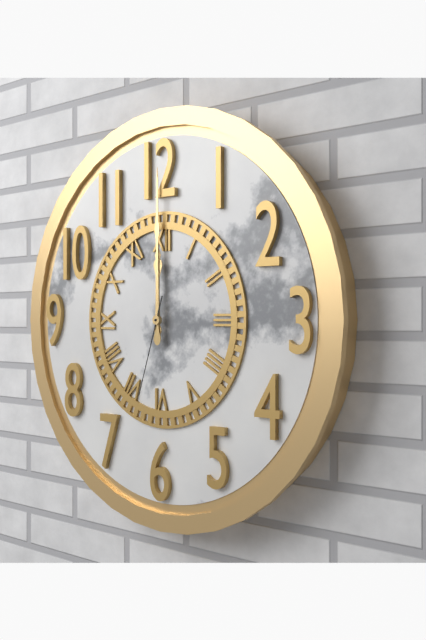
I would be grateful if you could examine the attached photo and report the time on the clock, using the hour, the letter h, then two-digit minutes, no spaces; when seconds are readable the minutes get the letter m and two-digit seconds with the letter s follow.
12h00m33s
